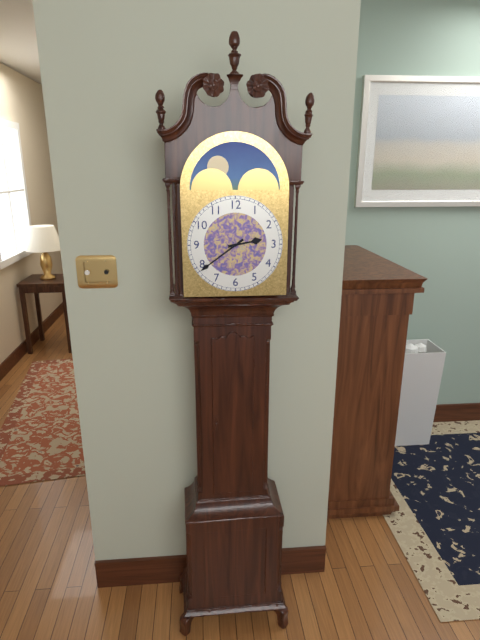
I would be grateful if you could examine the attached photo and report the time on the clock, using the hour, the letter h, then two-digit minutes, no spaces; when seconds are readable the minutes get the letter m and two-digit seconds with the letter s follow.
2h39
